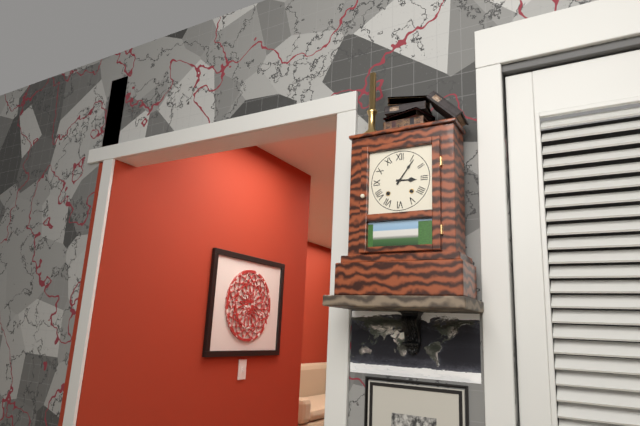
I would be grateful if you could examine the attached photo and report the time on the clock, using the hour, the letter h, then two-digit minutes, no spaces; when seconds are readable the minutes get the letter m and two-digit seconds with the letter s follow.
3h06
